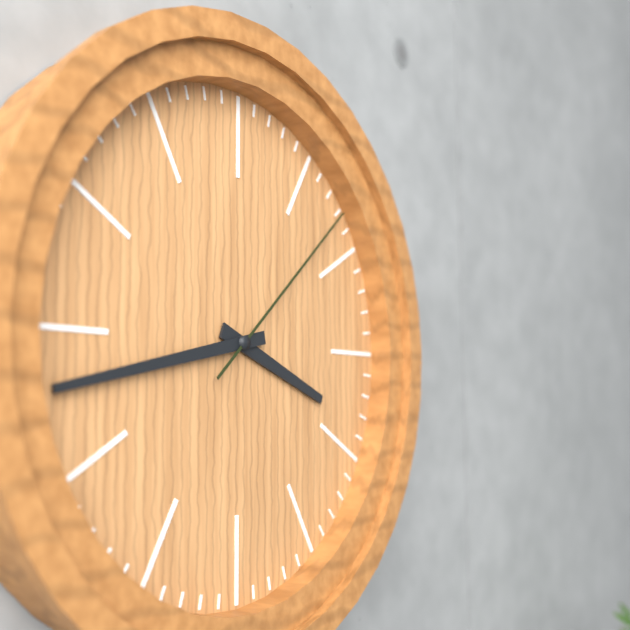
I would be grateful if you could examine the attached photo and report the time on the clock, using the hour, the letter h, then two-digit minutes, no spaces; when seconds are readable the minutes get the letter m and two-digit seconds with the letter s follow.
3h43m08s
